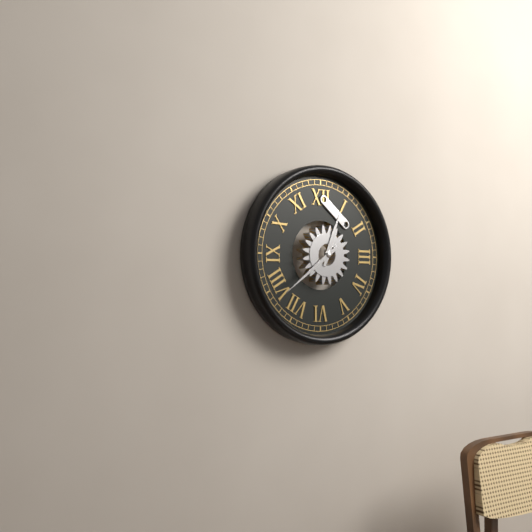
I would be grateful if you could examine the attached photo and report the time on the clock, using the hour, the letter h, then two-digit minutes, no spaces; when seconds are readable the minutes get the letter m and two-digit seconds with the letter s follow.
12h39
